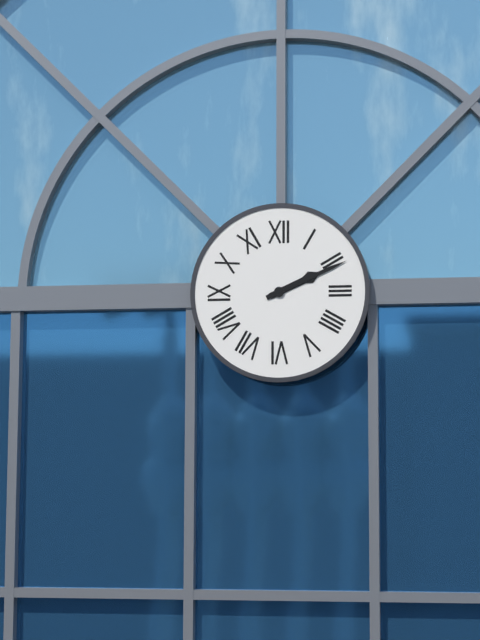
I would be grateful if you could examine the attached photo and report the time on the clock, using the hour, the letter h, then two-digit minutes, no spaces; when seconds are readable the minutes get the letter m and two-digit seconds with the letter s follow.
2h11
